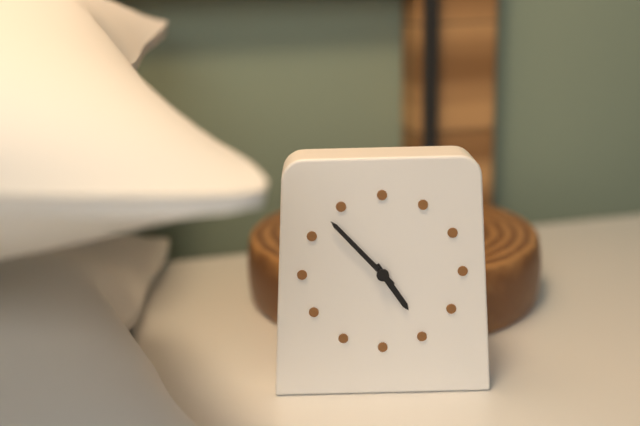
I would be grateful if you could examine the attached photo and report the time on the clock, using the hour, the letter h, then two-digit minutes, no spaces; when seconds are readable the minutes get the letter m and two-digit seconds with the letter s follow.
4h53
